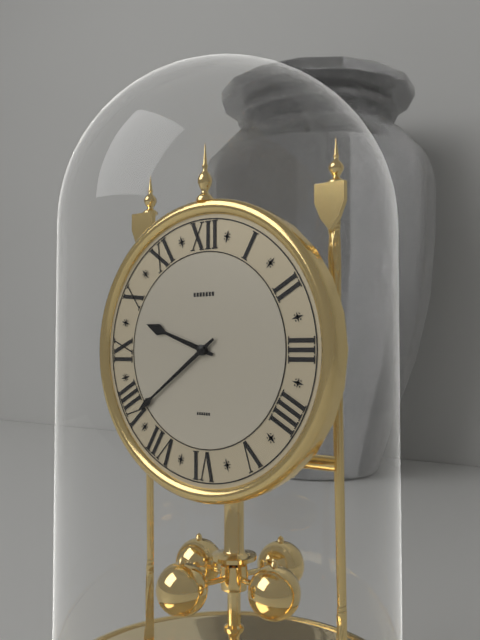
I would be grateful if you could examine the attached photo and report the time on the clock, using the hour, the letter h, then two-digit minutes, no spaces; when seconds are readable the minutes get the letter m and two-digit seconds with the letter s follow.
9h39
